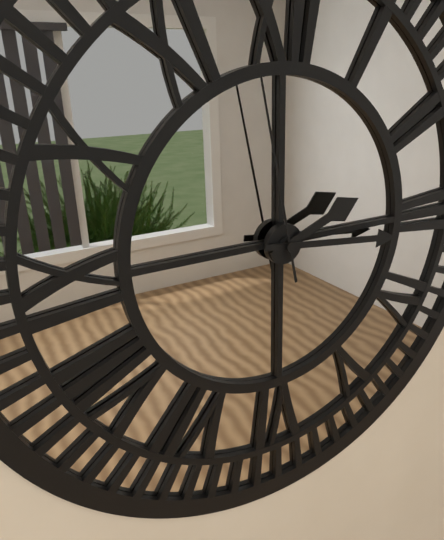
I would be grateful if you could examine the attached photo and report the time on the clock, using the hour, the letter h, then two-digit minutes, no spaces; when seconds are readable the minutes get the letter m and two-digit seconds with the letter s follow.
2h16m58s
